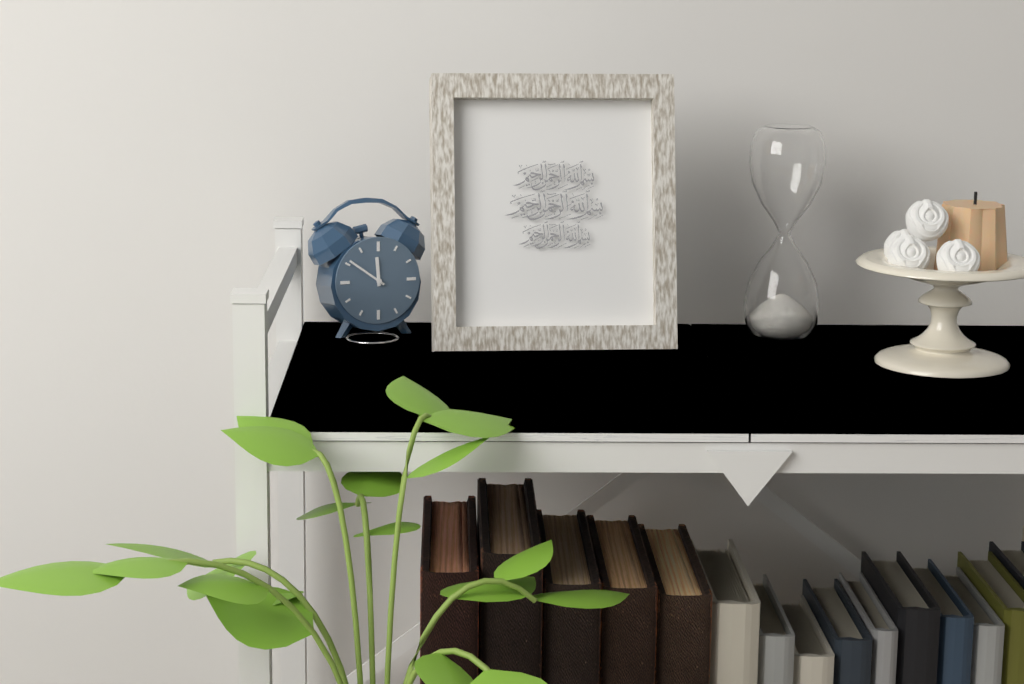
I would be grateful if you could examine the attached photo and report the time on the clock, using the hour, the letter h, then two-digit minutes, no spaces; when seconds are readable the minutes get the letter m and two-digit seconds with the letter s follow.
11h51
